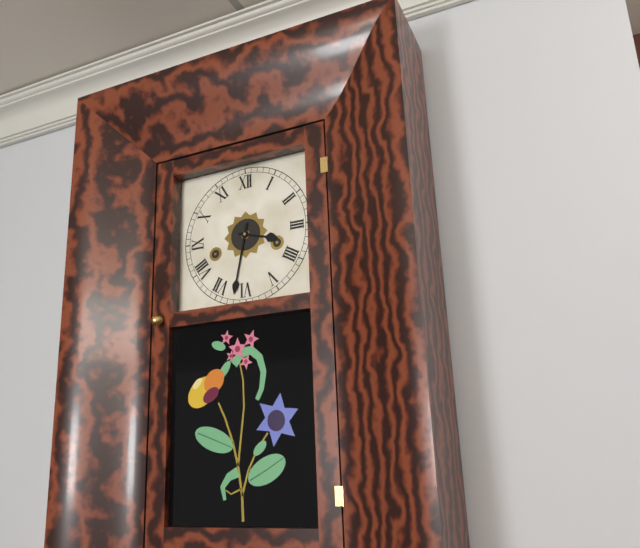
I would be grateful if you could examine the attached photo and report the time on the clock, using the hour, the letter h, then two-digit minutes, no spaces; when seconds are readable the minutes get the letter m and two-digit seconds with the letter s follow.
3h32
